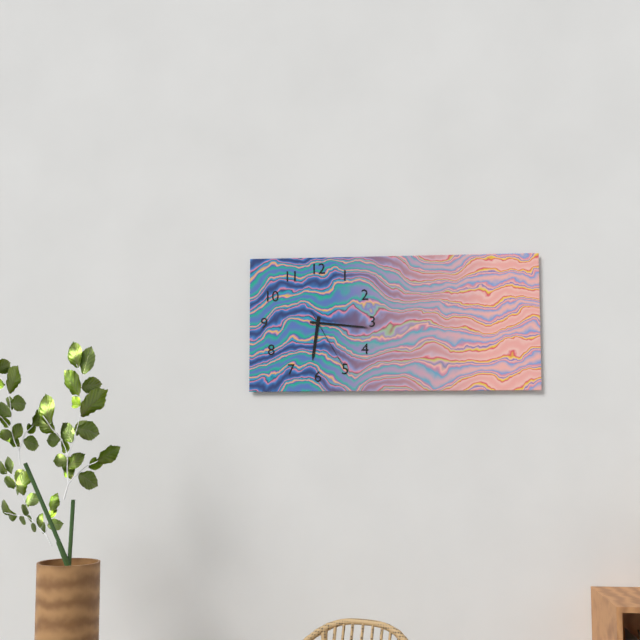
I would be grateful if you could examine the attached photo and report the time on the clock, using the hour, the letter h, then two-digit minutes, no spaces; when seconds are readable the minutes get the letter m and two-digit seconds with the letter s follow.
6h16m25s
